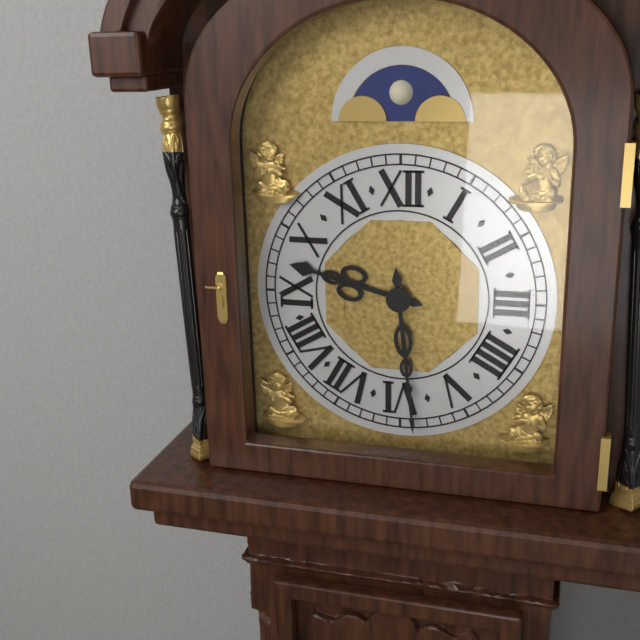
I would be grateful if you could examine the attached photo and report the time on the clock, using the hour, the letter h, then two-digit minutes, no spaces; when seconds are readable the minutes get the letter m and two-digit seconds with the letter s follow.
9h29
